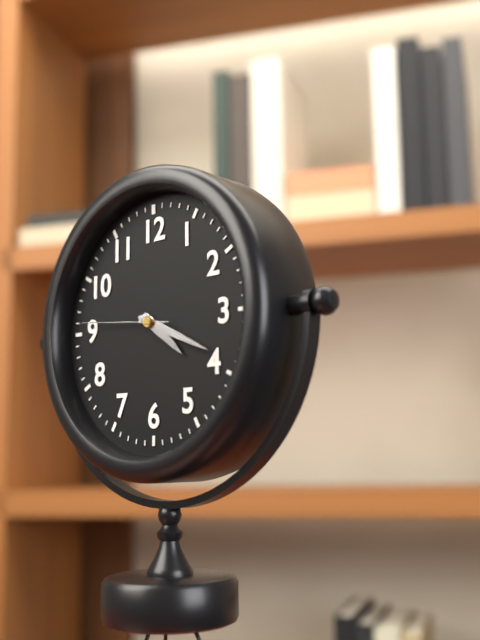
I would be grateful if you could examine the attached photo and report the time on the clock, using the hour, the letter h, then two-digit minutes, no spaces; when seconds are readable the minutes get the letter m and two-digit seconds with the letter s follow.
4h19m46s
